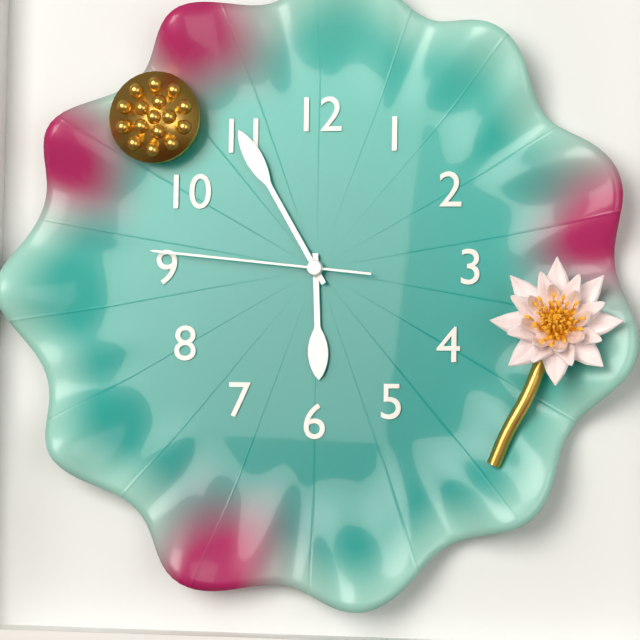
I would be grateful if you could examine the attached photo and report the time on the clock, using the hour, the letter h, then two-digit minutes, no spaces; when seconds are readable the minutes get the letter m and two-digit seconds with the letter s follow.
5h55m46s
